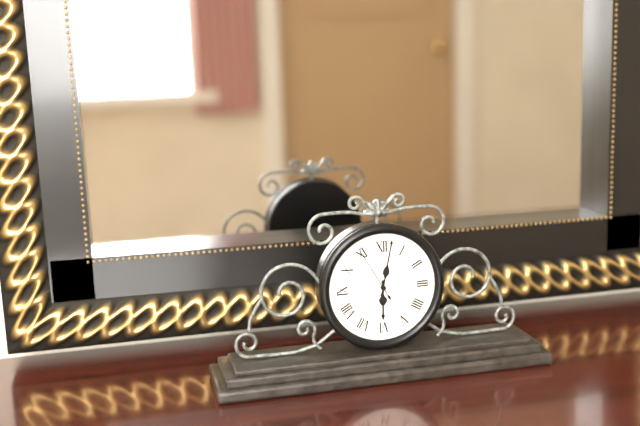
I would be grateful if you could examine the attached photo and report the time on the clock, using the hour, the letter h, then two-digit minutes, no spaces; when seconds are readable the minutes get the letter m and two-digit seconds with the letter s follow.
6h02m55s
